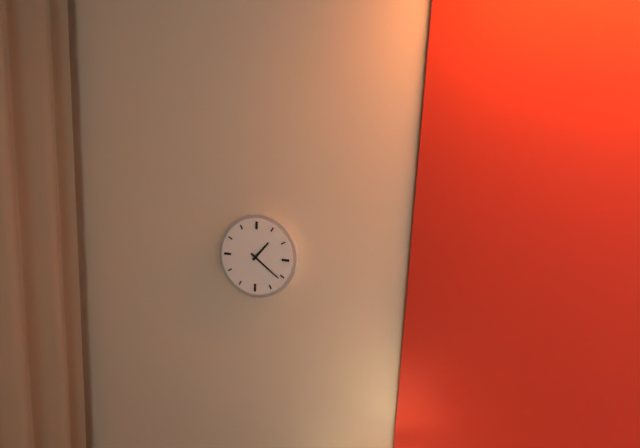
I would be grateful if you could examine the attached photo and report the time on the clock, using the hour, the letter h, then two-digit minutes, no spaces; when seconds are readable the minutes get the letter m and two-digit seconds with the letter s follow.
1h21
